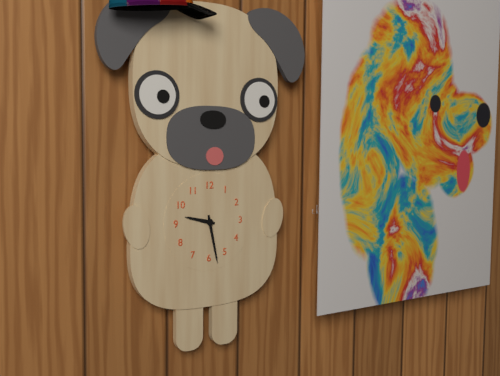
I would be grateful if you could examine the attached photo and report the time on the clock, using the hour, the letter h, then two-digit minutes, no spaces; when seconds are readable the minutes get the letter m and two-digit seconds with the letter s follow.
9h28
